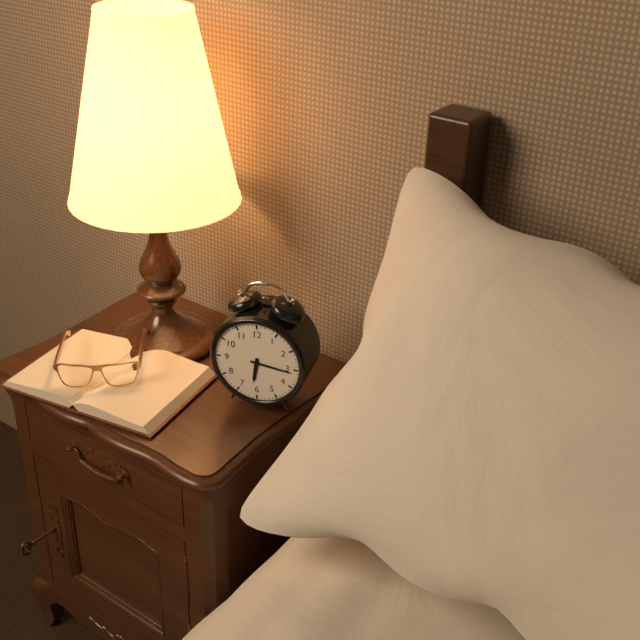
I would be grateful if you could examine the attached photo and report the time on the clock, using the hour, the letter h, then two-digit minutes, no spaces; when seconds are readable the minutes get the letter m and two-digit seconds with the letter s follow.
6h16
